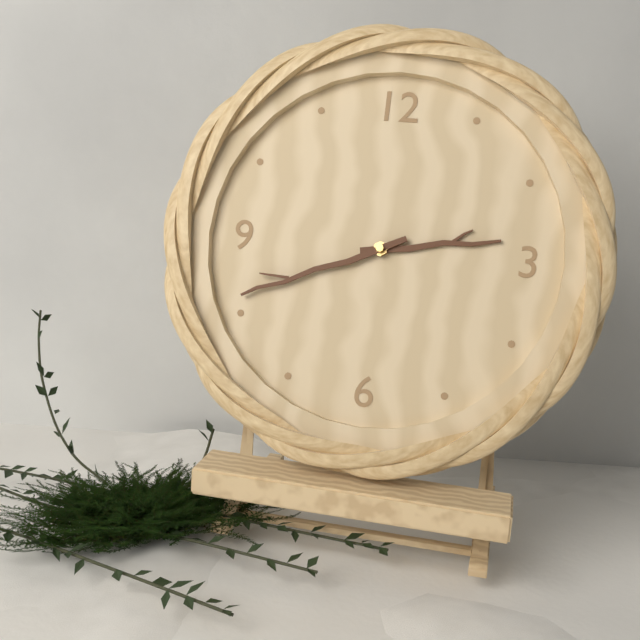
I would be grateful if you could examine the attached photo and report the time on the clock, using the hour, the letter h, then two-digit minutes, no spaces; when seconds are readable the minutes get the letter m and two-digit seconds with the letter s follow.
2h41
